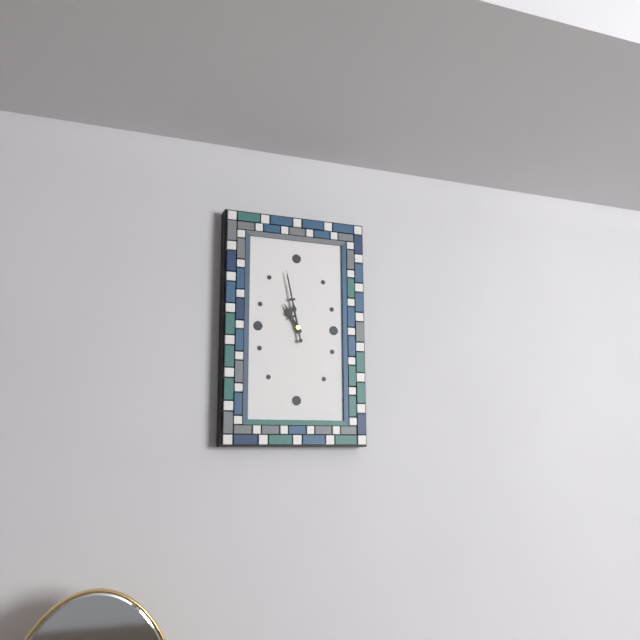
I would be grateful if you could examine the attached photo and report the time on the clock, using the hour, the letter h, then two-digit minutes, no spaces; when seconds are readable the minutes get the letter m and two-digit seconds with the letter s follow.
10h58
